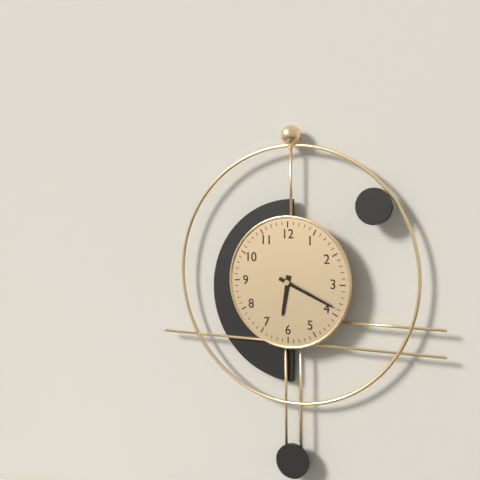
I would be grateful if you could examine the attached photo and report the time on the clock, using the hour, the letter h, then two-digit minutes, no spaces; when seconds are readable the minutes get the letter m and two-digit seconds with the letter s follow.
6h19
